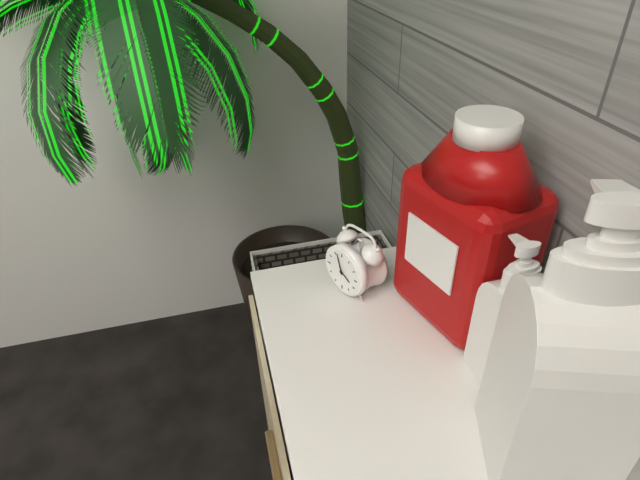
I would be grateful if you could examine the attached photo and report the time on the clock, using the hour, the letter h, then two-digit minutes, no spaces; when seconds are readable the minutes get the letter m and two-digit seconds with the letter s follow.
3h57
